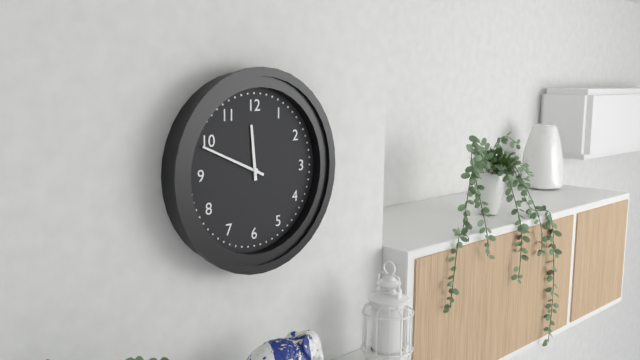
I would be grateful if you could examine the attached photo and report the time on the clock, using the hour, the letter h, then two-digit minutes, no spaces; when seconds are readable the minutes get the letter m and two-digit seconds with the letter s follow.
11h49
